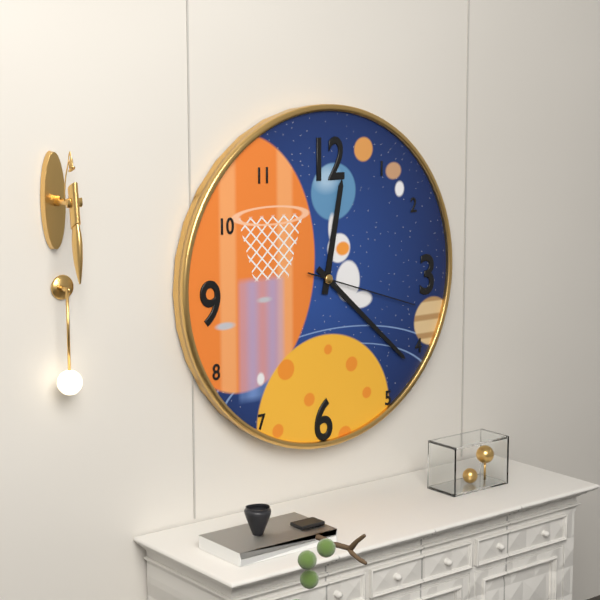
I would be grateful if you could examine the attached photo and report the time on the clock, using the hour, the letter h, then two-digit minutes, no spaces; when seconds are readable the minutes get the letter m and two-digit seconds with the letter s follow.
12h22m18s
